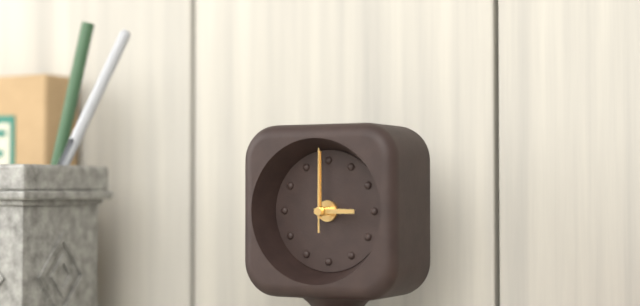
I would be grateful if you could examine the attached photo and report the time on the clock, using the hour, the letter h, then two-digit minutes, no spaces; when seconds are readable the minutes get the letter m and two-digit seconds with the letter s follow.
3h00m00s
